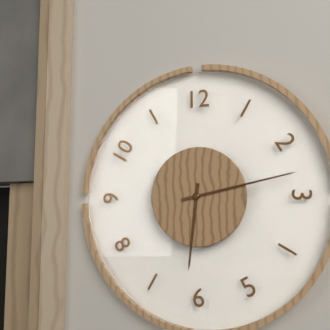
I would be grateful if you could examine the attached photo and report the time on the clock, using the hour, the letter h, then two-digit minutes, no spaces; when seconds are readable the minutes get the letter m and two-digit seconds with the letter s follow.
6h13
